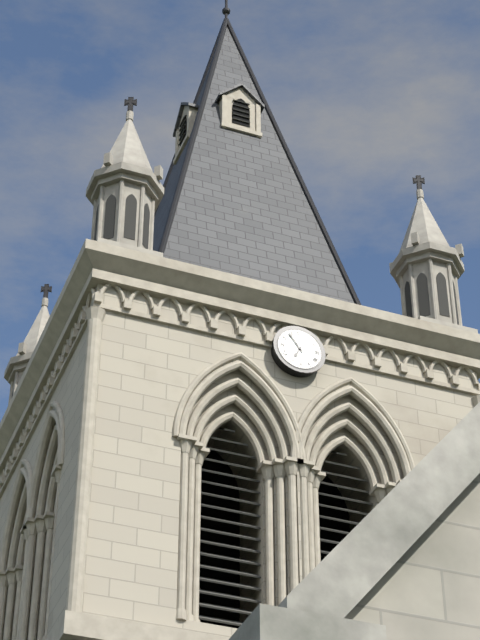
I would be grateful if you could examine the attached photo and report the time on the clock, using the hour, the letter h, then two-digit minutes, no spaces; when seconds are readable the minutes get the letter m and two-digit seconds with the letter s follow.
6h54
